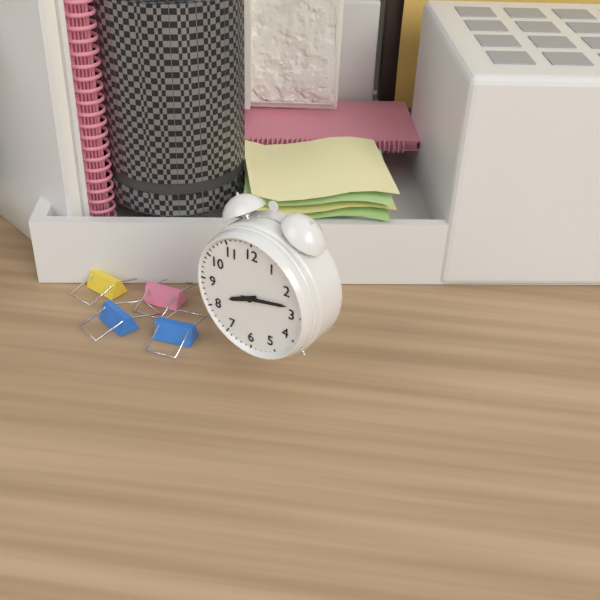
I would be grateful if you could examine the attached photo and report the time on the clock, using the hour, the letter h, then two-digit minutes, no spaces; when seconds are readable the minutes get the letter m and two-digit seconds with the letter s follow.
8h13
